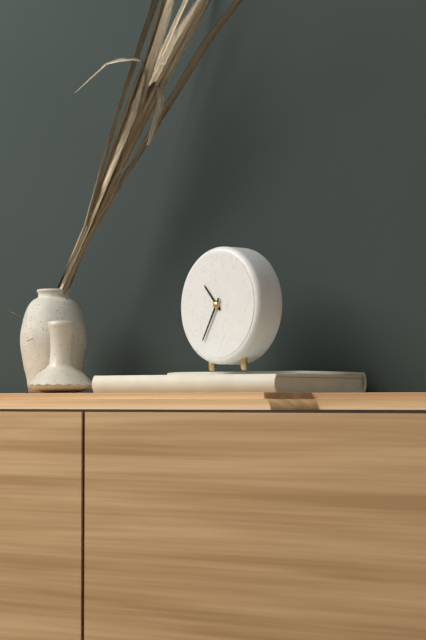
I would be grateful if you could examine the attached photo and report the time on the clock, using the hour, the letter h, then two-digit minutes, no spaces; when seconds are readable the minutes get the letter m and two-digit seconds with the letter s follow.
10h35
